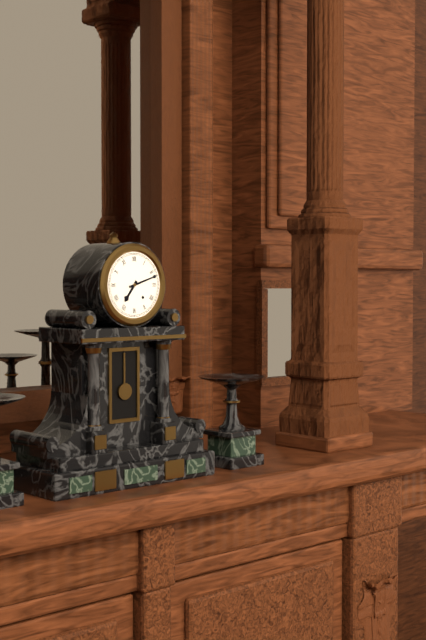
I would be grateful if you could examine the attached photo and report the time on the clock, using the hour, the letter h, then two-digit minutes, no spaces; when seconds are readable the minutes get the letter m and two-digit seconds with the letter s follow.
7h12
